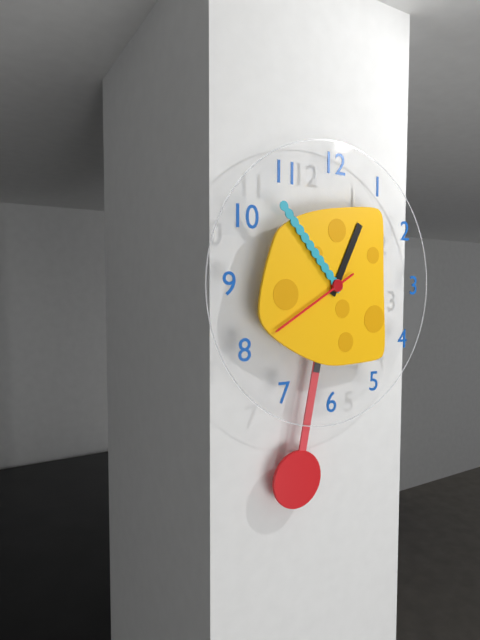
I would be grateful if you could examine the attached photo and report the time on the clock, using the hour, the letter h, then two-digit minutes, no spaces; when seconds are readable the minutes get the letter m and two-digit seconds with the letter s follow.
12h53m40s
